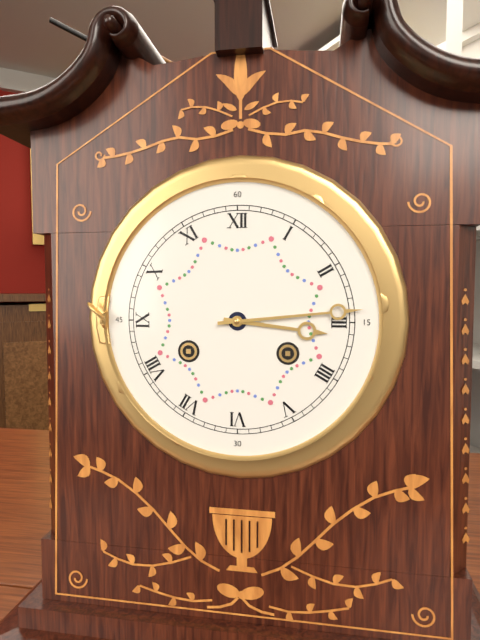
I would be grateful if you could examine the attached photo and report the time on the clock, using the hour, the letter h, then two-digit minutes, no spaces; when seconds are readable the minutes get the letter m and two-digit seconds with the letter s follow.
3h14
